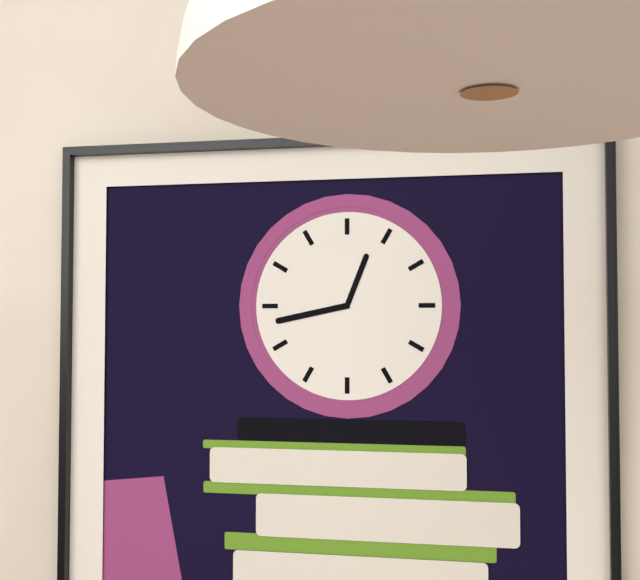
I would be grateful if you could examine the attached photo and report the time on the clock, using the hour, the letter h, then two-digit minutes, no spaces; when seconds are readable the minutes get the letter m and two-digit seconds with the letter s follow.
12h43
